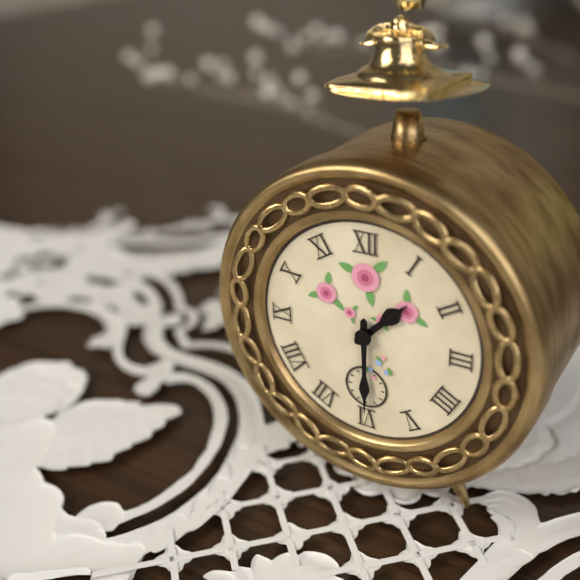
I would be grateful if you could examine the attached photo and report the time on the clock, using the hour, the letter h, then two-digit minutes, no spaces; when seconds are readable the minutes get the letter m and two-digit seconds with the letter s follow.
1h30
